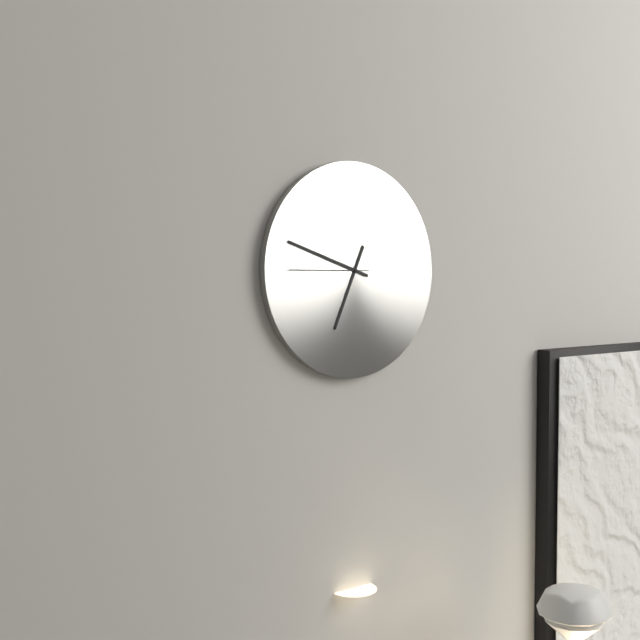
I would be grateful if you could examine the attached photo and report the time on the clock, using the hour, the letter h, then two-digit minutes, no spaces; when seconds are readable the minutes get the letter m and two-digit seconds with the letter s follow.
6h48m45s
